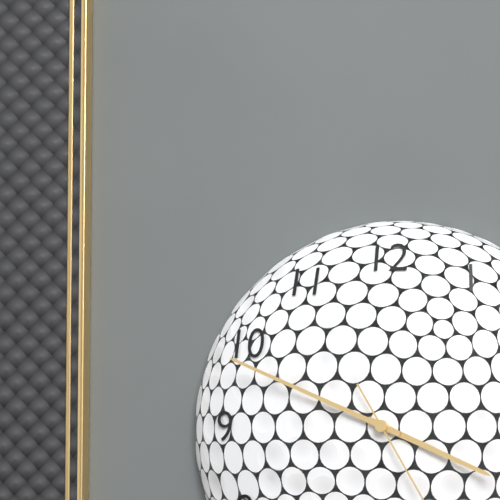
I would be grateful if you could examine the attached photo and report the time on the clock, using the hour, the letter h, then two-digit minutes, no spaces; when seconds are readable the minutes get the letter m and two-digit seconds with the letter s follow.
3h49
